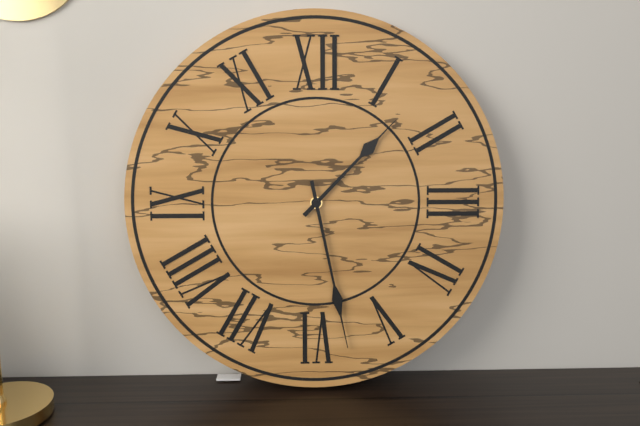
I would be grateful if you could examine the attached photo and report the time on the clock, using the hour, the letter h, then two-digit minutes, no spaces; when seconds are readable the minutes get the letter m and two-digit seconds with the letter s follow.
1h28
